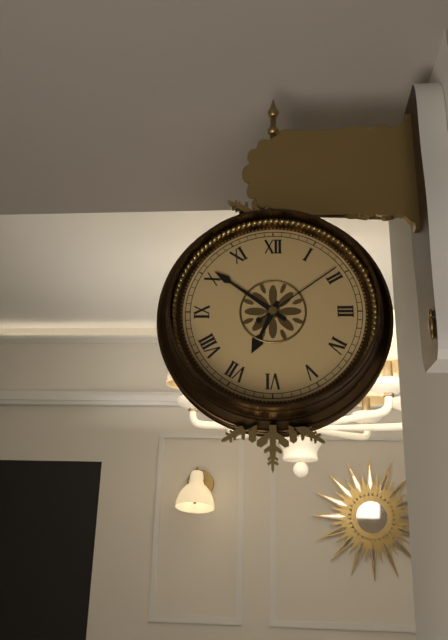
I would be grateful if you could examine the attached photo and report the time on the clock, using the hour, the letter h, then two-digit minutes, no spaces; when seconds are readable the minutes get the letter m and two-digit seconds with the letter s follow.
6h51m09s
